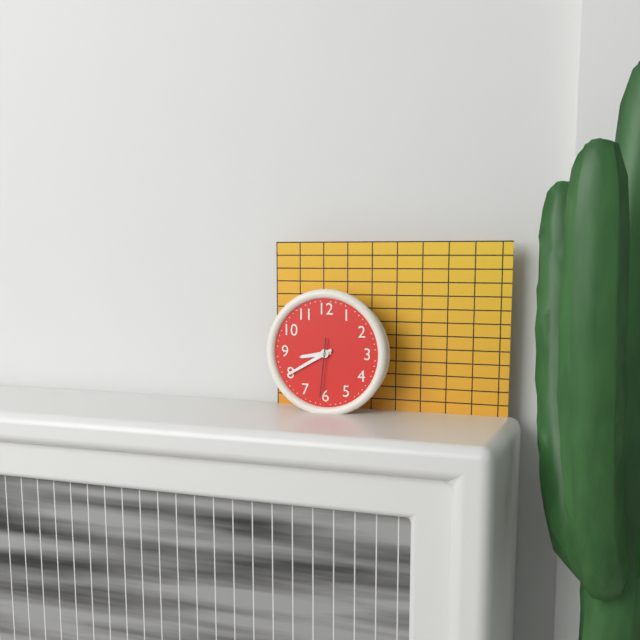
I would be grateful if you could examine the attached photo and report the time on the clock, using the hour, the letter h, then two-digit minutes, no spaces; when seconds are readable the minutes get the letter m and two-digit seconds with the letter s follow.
8h40m31s
